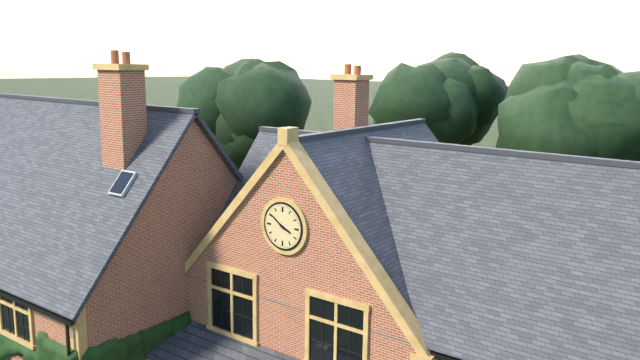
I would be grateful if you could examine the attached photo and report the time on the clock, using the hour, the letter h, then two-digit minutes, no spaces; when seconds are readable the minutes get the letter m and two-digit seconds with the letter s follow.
3h51
